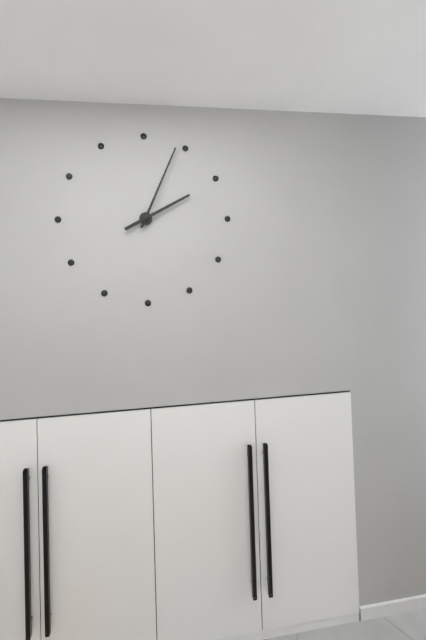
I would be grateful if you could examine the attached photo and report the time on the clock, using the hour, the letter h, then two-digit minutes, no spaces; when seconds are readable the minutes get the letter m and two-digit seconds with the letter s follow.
2h04
